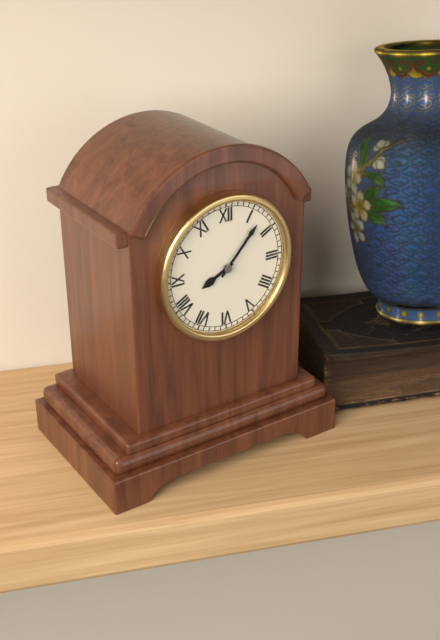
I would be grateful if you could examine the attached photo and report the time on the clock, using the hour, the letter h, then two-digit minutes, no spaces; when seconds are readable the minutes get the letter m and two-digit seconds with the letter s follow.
8h07
